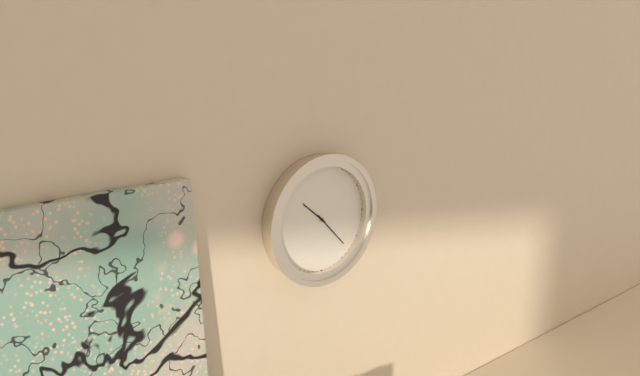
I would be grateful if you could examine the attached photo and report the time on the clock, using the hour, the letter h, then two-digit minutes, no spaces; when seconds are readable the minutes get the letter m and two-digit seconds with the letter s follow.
10h23
